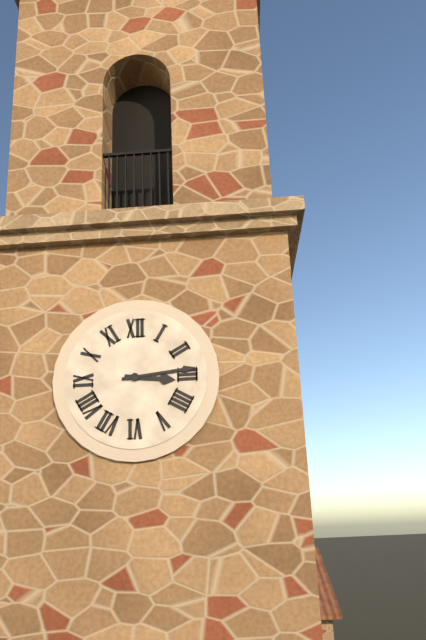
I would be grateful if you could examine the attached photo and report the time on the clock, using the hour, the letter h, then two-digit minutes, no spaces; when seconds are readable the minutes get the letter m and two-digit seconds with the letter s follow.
3h14
